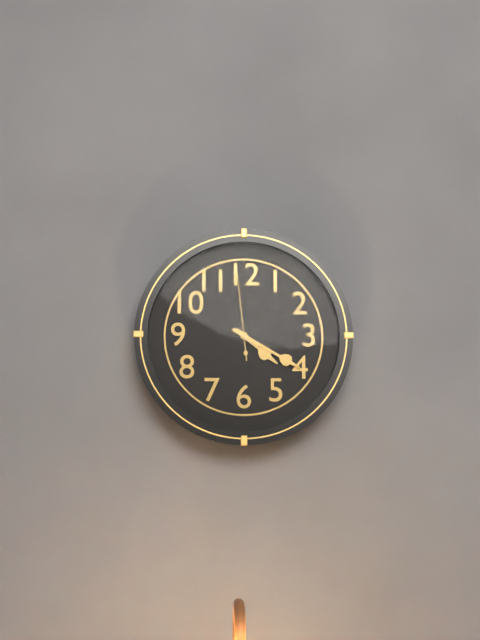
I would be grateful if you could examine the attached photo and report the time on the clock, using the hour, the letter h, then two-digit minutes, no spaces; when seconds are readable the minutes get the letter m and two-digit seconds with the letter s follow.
4h20m59s
